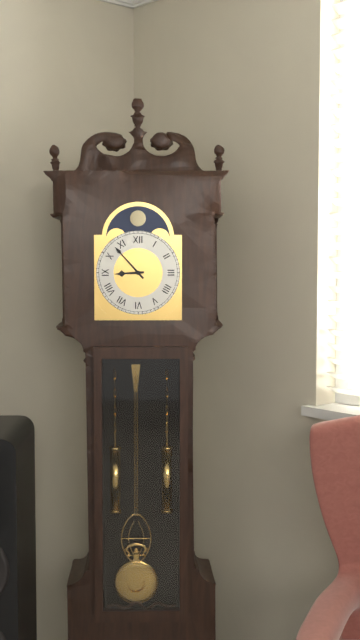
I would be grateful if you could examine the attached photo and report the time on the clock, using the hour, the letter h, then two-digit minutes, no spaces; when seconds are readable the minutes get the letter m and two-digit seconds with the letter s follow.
8h53
